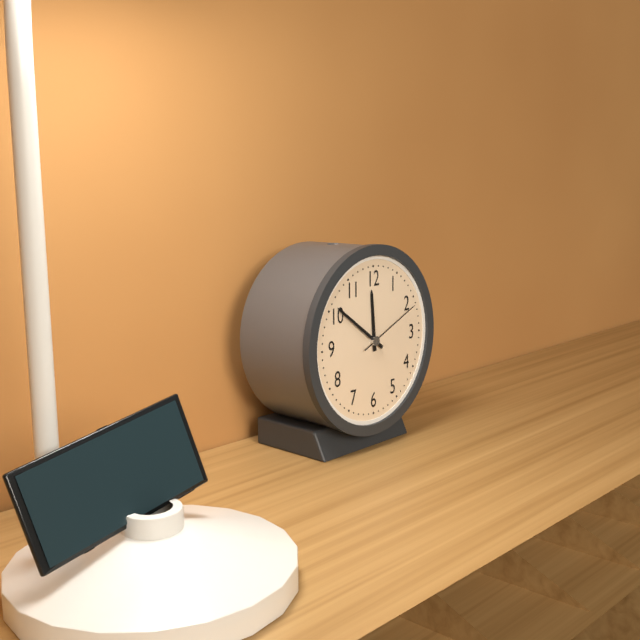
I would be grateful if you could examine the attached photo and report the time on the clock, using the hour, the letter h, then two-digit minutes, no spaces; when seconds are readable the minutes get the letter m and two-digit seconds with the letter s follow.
11h51m11s
